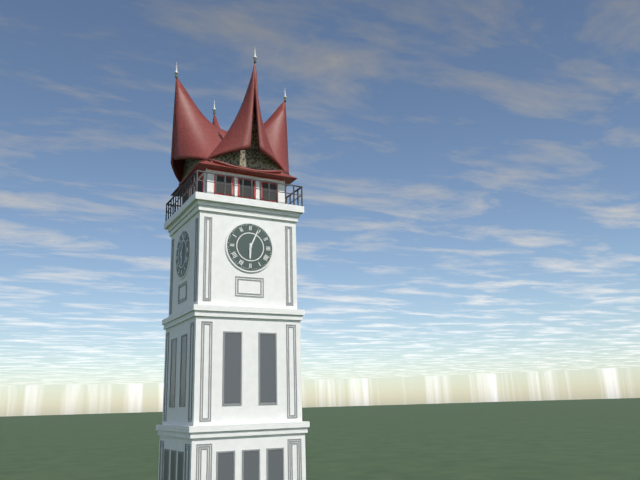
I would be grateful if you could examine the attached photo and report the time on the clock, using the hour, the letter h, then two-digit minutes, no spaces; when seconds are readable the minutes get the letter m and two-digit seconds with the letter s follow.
6h04
